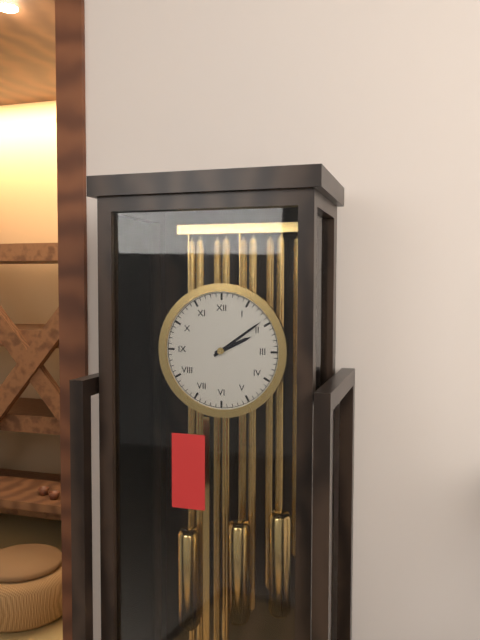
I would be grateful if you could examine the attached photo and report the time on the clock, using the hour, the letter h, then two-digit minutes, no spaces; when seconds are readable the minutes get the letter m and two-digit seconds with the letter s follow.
2h09
